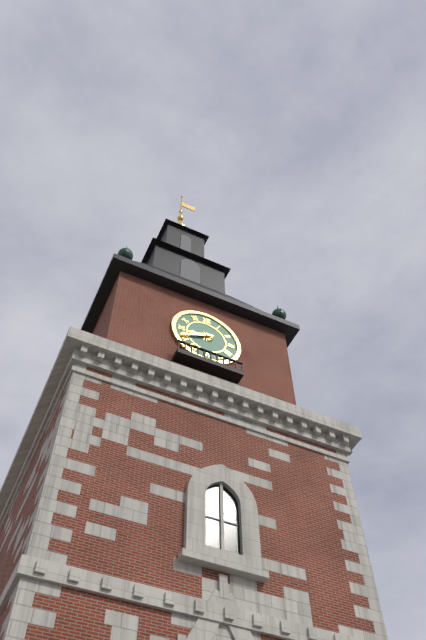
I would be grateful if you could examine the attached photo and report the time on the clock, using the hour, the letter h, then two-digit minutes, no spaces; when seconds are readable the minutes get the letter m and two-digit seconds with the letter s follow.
8h41
